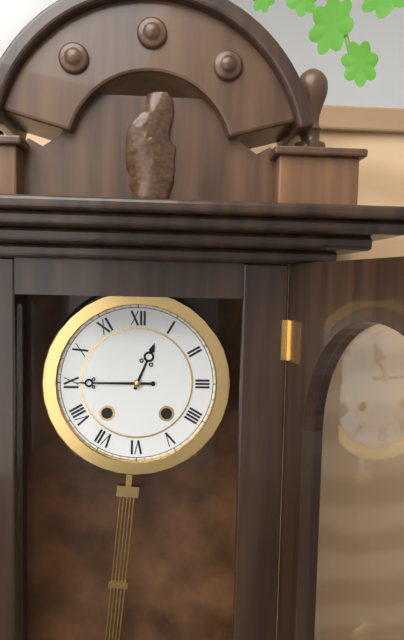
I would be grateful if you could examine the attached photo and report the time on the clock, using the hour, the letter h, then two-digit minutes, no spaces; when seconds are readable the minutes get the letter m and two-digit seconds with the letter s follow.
12h45
